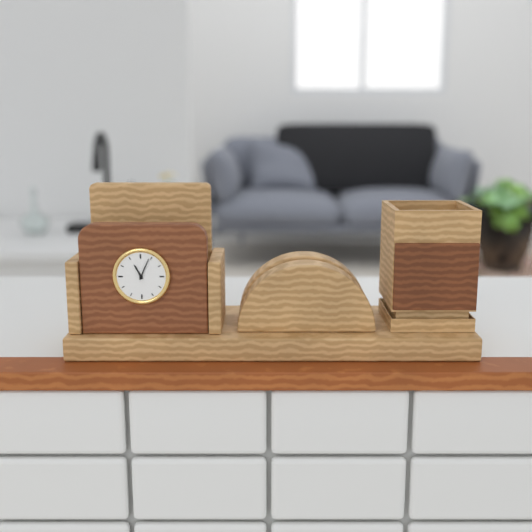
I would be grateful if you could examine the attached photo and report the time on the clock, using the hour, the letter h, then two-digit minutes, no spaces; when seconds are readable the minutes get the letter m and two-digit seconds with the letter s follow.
11h04
